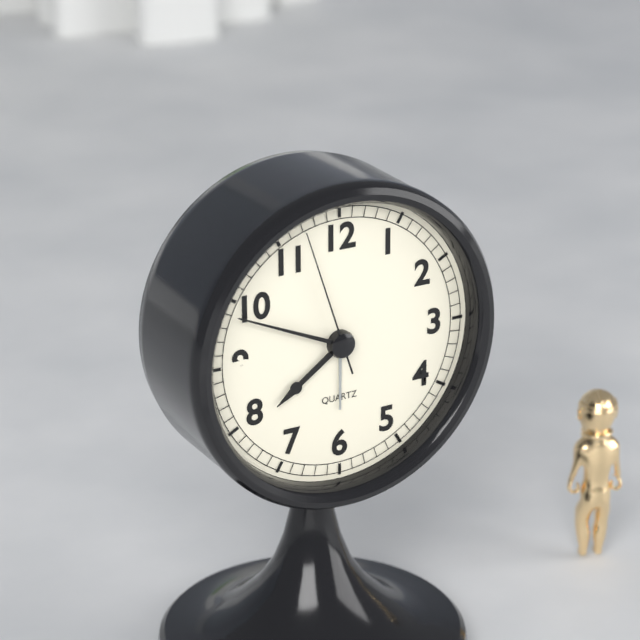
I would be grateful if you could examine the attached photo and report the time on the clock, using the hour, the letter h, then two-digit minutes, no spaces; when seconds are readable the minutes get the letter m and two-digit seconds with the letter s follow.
7h49m57s
